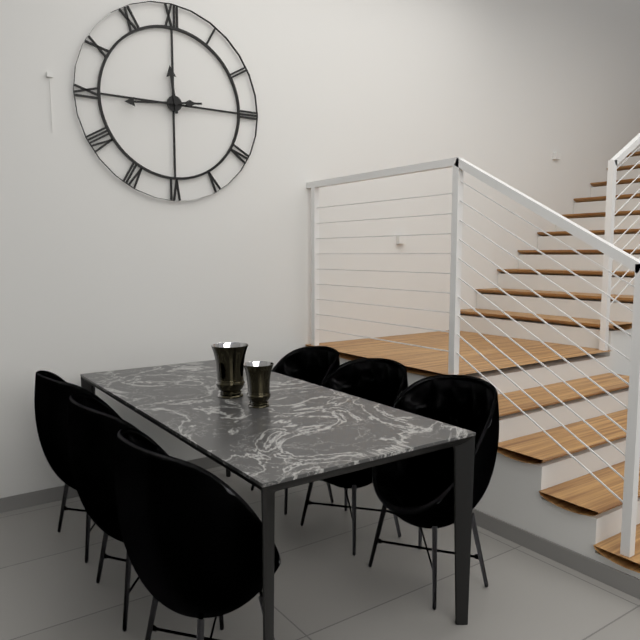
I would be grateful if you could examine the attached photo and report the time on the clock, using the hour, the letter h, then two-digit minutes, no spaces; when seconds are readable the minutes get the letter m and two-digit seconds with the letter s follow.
11h44
